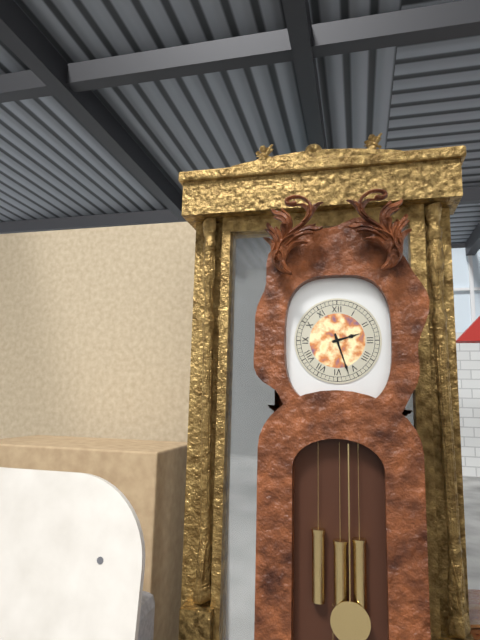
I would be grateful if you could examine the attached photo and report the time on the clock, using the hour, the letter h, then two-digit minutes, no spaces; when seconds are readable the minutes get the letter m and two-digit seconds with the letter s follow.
2h27
